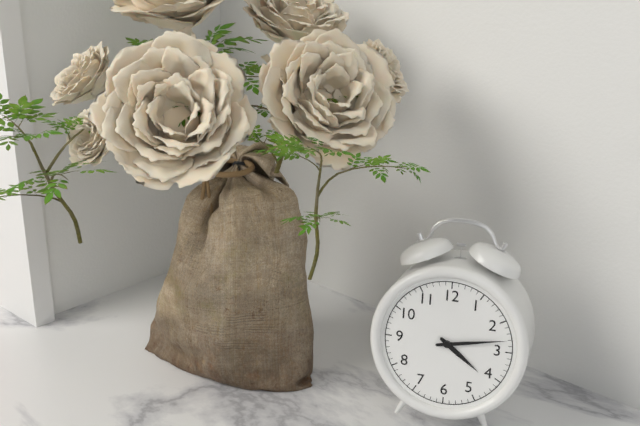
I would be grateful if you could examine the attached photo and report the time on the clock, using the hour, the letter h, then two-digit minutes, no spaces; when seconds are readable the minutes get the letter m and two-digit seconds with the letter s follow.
4h13
